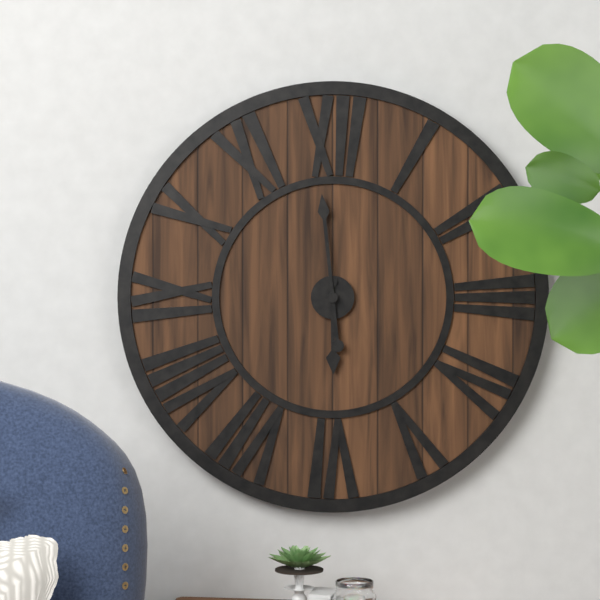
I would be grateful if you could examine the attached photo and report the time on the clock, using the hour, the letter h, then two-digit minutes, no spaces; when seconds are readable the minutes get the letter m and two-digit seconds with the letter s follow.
5h59
